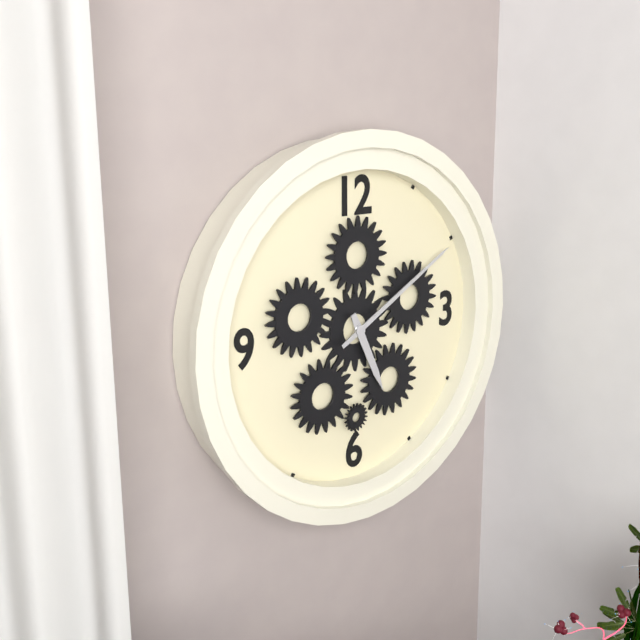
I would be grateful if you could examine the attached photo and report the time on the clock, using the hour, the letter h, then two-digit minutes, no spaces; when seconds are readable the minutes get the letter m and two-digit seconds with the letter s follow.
5h10
